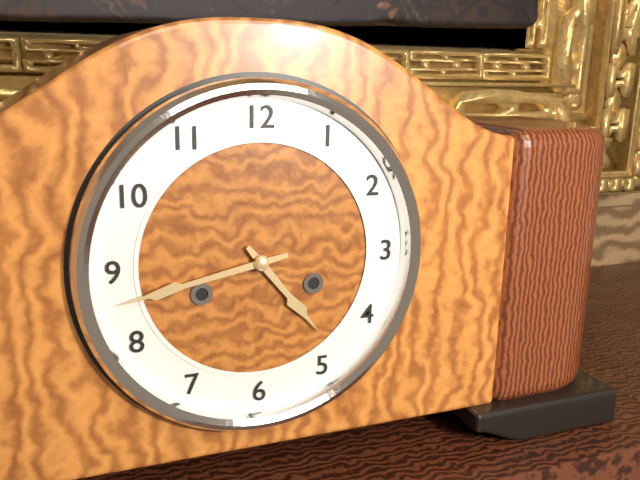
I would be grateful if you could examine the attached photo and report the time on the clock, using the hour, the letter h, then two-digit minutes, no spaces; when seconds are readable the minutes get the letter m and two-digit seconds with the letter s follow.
4h43
